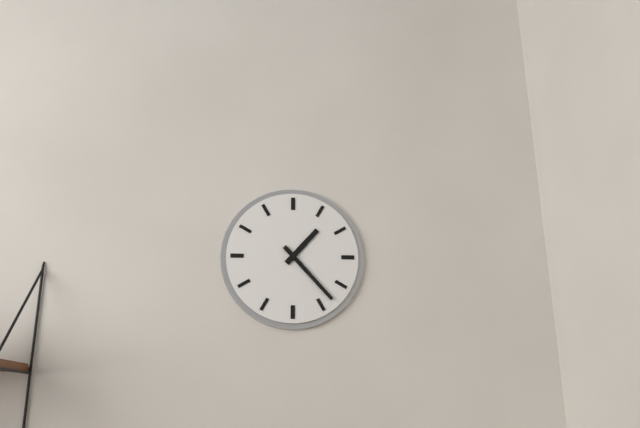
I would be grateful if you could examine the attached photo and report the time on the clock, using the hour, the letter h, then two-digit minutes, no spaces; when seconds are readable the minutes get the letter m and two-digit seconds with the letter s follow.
1h23
